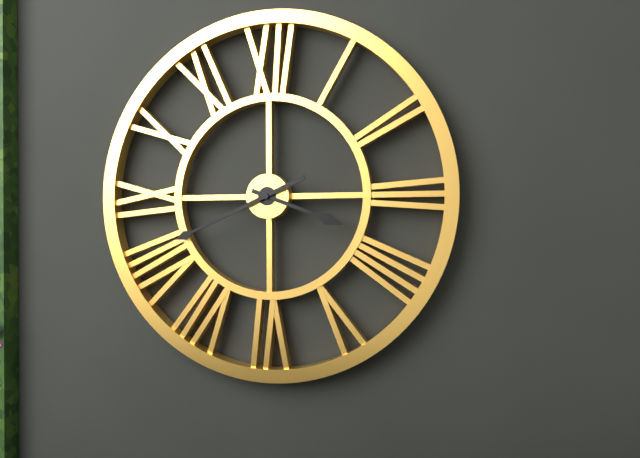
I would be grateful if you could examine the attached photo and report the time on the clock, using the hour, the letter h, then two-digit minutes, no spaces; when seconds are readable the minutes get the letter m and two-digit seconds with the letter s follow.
3h41
